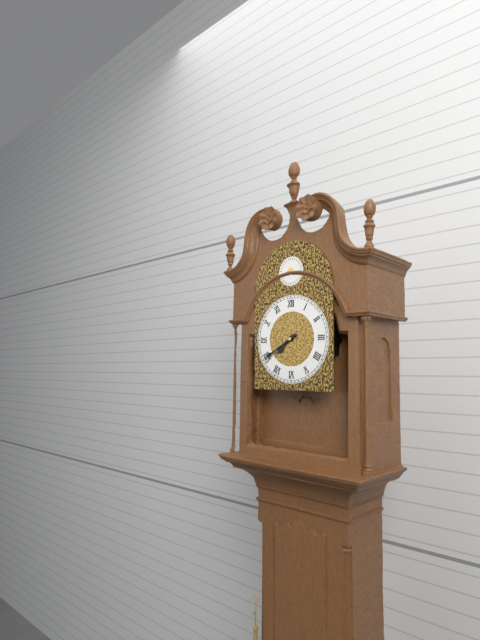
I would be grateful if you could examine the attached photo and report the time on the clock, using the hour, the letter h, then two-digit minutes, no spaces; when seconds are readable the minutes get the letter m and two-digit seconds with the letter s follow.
7h40
